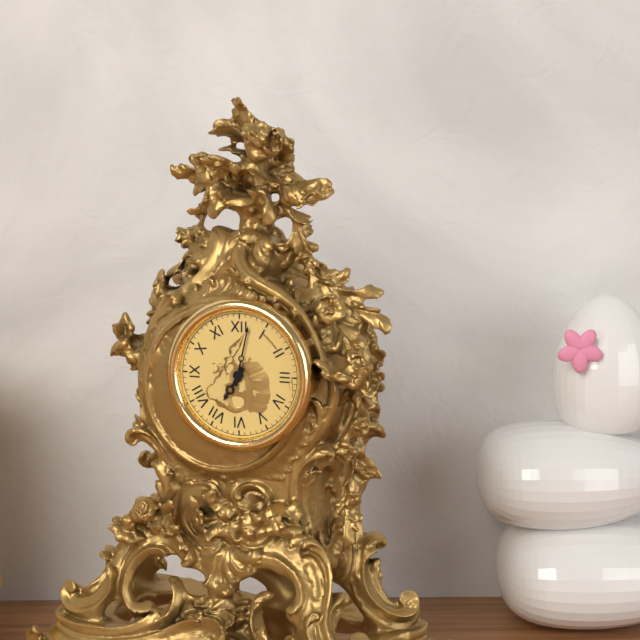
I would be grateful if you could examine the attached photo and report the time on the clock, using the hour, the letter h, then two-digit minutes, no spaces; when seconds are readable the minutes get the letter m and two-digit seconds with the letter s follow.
7h02
